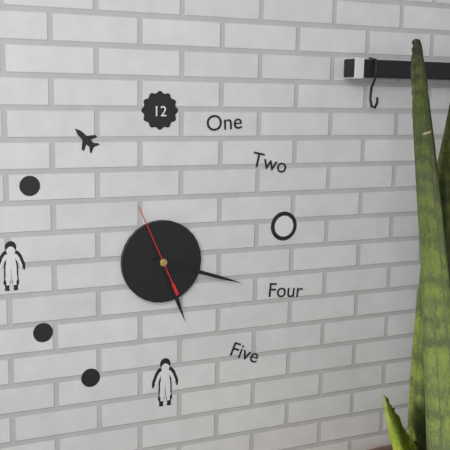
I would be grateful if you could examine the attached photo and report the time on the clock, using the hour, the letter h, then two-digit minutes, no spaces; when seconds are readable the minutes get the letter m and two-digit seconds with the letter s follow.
5h18m56s
